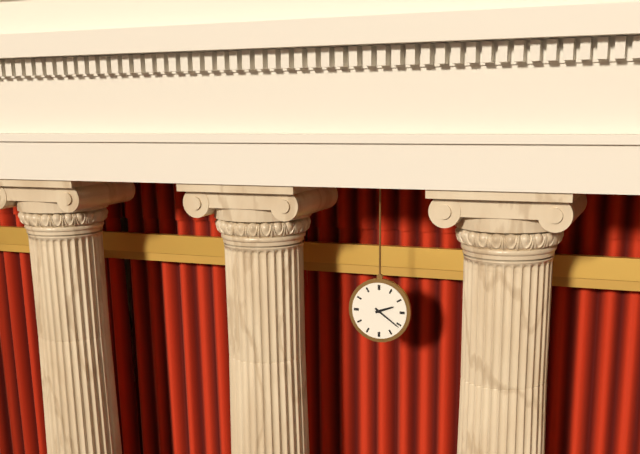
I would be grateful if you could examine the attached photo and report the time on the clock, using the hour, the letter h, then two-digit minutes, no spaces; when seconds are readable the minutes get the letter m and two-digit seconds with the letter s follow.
2h21
